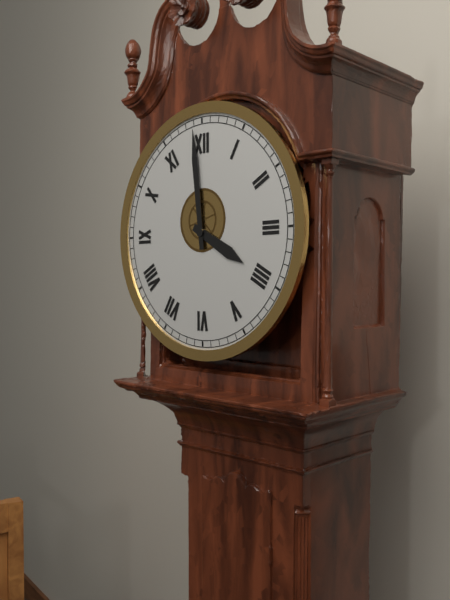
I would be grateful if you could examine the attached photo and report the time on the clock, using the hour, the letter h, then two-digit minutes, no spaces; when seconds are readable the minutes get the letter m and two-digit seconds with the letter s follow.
3h59
